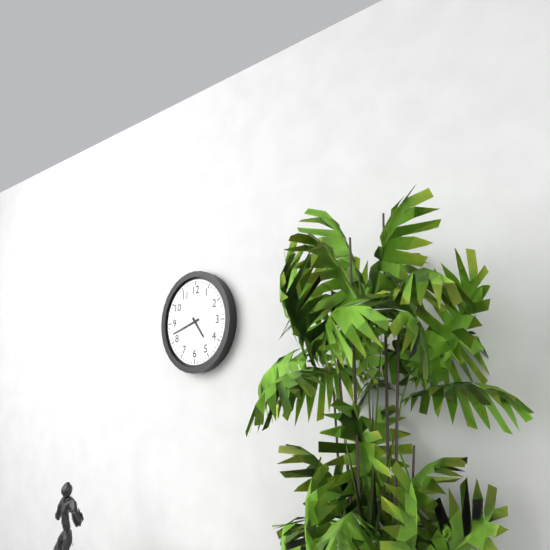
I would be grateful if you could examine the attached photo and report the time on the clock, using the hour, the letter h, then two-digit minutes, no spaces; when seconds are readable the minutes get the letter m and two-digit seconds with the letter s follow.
4h42
